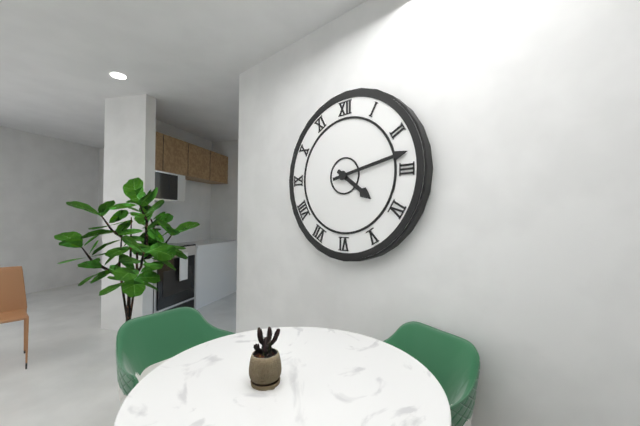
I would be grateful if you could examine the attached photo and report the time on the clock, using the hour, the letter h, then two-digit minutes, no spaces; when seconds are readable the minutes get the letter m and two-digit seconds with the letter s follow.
4h13
